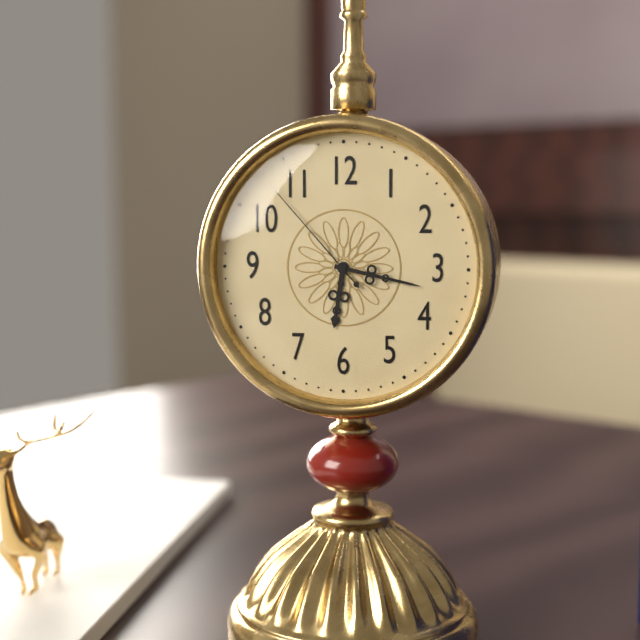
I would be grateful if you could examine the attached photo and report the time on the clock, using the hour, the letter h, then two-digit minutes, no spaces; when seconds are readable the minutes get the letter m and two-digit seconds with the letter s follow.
6h17m53s
